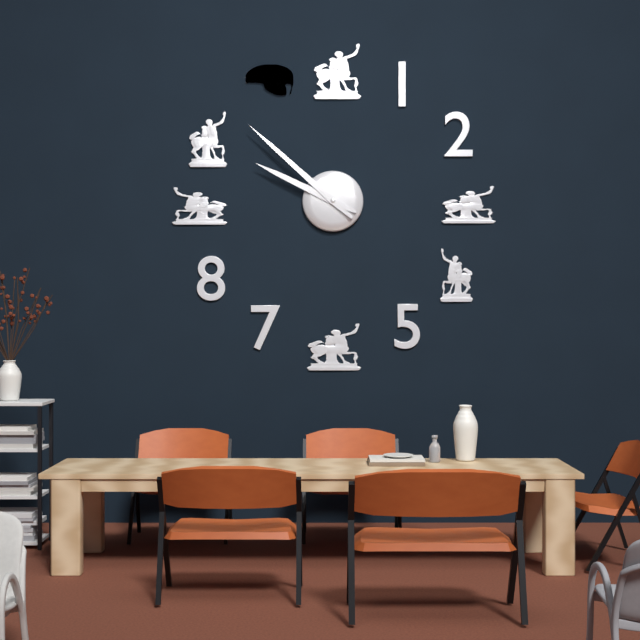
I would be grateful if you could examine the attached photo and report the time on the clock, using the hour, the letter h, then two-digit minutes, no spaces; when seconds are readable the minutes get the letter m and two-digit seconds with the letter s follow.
9h52
